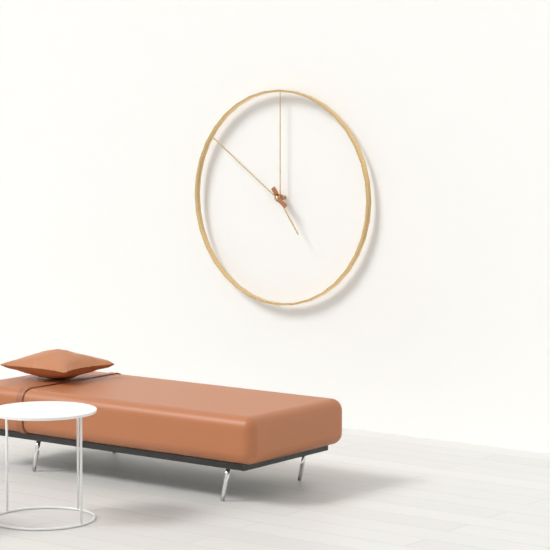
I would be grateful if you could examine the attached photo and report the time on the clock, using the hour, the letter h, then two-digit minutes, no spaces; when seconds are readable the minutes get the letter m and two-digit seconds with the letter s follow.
4h51
